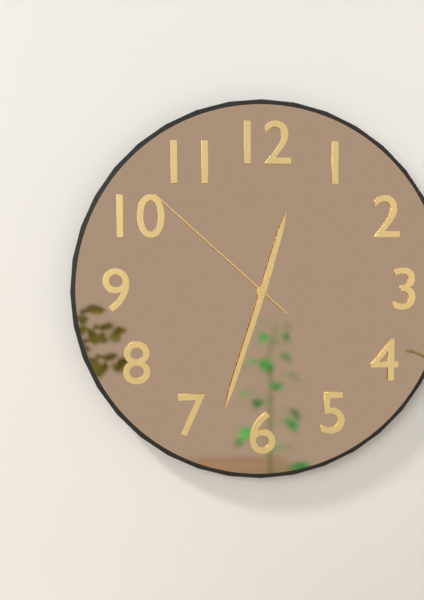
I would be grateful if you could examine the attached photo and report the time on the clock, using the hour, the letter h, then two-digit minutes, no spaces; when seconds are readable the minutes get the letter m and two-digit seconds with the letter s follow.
12h33m52s
